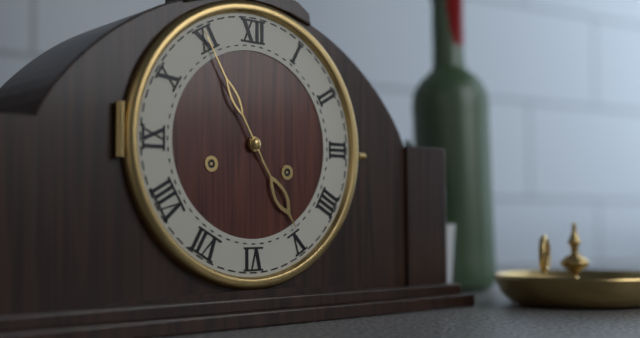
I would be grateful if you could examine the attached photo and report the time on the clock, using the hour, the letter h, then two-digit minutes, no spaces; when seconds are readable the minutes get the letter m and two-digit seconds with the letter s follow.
4h55
